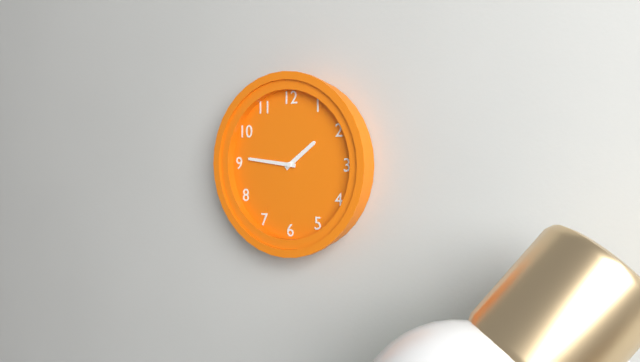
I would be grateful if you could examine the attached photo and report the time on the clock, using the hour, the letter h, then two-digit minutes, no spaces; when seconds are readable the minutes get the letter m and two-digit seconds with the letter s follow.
1h46
